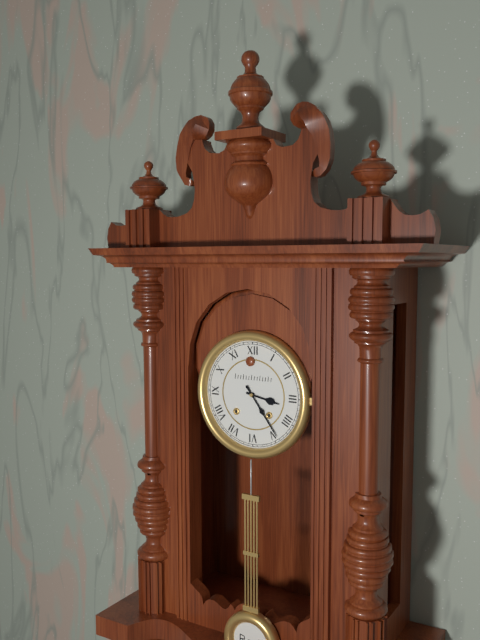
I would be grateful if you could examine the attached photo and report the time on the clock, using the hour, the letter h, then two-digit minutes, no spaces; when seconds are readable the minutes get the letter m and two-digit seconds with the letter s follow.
3h24
